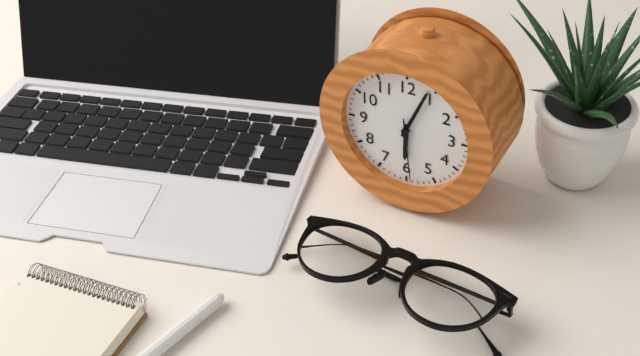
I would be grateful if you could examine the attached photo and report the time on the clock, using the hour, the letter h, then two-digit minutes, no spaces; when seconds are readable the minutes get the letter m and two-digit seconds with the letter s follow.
6h04m29s
